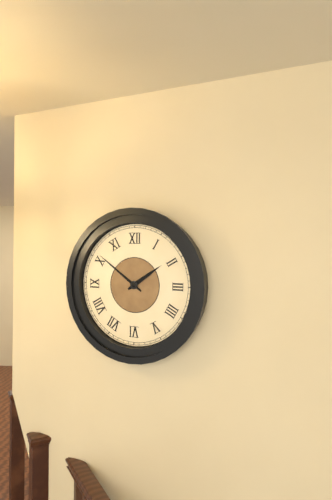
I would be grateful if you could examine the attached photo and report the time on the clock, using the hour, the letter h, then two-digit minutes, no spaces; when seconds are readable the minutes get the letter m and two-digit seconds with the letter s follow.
1h51
